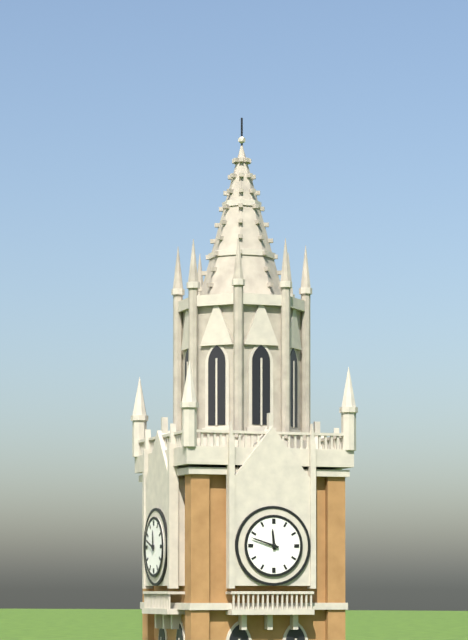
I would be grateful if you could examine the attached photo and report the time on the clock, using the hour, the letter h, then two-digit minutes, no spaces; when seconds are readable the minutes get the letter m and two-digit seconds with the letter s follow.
11h48
